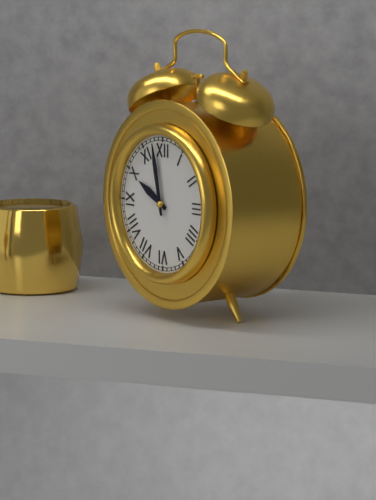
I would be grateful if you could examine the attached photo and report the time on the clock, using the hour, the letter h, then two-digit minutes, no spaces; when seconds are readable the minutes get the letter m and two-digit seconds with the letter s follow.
9h58
